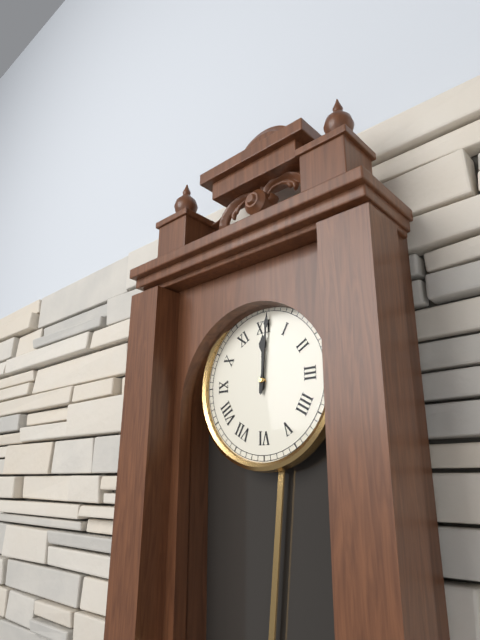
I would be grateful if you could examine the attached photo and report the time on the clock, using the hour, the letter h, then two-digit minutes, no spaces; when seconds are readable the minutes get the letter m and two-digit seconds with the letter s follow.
12h01
